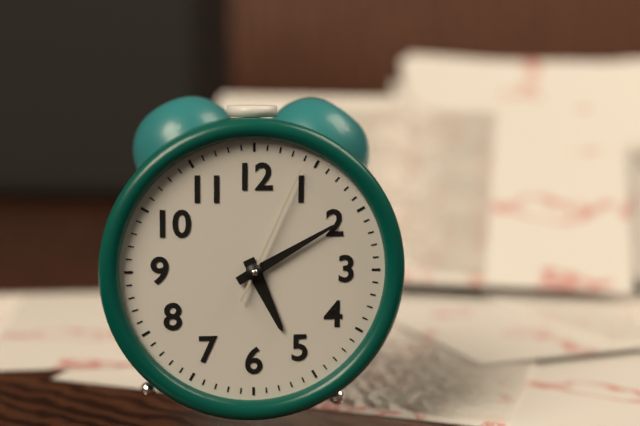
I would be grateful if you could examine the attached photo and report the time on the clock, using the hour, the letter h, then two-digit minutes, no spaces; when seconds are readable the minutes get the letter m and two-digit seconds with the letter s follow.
5h10m04s
